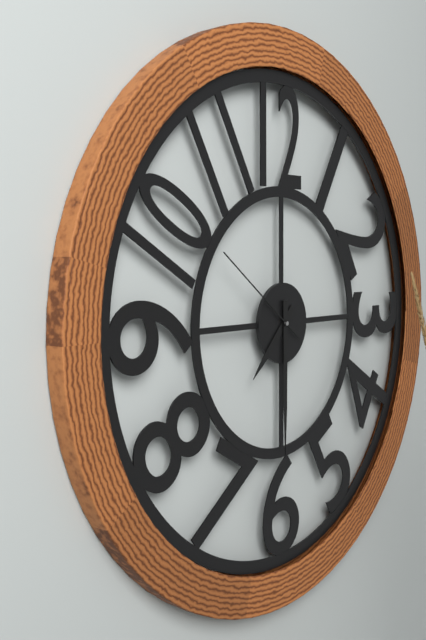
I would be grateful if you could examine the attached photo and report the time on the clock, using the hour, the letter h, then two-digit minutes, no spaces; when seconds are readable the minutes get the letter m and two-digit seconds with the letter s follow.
7h30m51s
